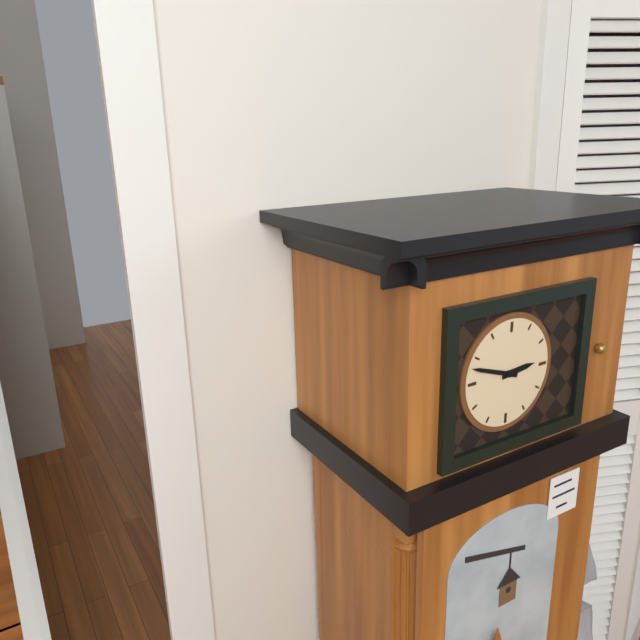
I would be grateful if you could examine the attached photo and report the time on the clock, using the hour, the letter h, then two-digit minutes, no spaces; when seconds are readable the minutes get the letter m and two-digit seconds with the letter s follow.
2h48
